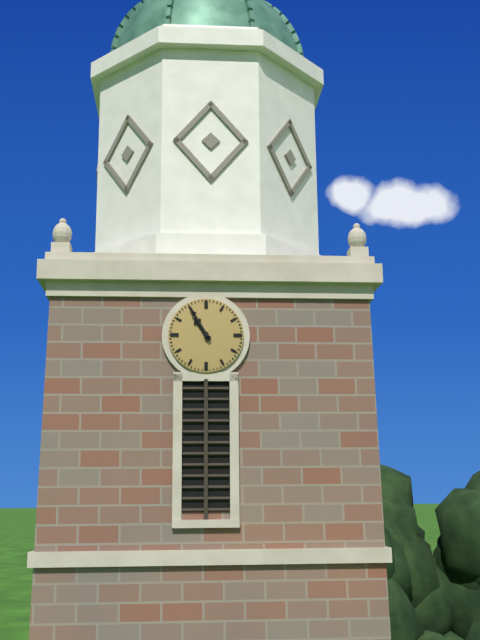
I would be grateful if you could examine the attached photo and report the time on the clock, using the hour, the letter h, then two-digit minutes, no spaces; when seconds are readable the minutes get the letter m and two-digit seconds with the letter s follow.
10h55
